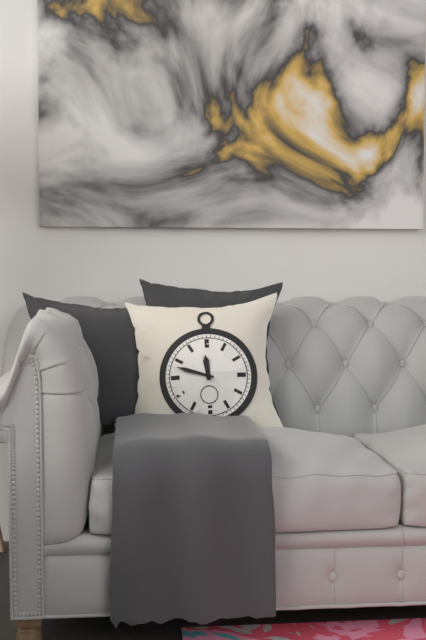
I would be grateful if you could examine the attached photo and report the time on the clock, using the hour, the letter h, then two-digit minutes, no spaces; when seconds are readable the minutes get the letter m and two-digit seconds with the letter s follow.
11h48
